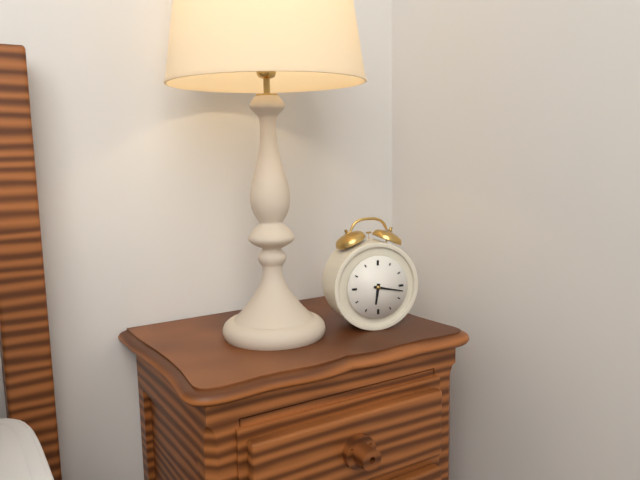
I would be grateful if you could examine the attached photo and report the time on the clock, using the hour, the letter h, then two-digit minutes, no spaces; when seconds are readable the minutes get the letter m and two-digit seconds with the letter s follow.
6h17
